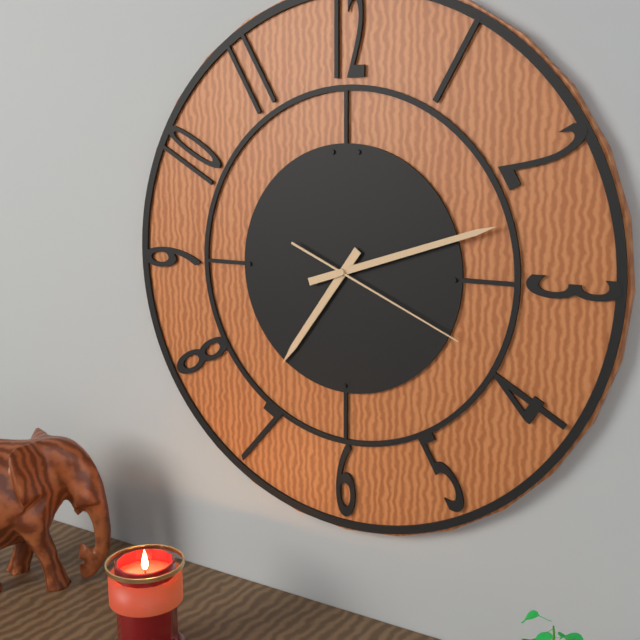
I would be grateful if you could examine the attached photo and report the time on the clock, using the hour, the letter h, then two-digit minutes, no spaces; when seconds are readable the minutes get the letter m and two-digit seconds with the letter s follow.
7h12m19s
